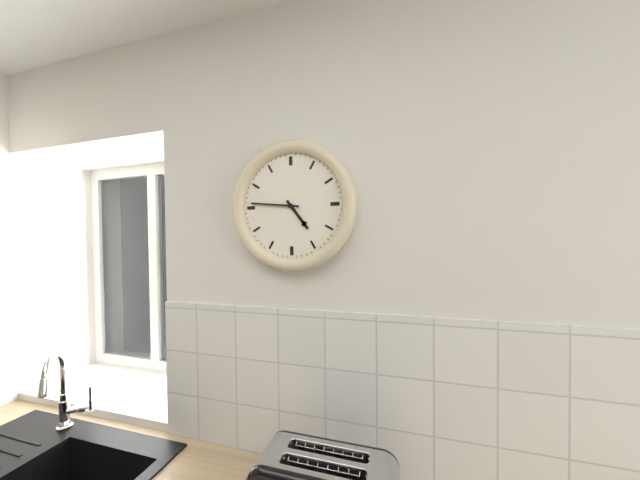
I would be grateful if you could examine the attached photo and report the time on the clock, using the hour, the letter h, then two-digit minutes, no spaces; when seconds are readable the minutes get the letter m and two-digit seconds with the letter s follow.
4h46
